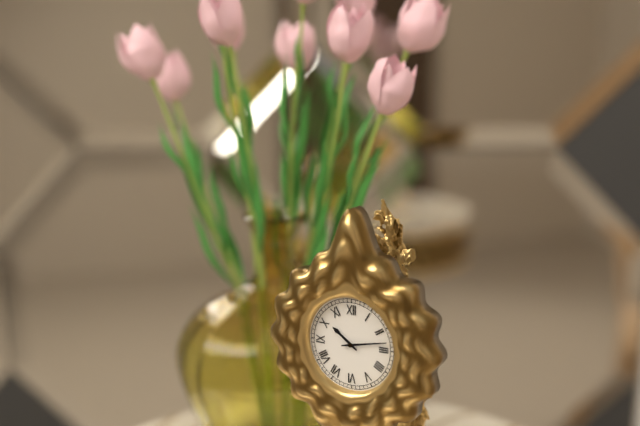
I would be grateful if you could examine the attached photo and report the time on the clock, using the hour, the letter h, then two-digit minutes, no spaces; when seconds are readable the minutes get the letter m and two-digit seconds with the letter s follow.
10h13
